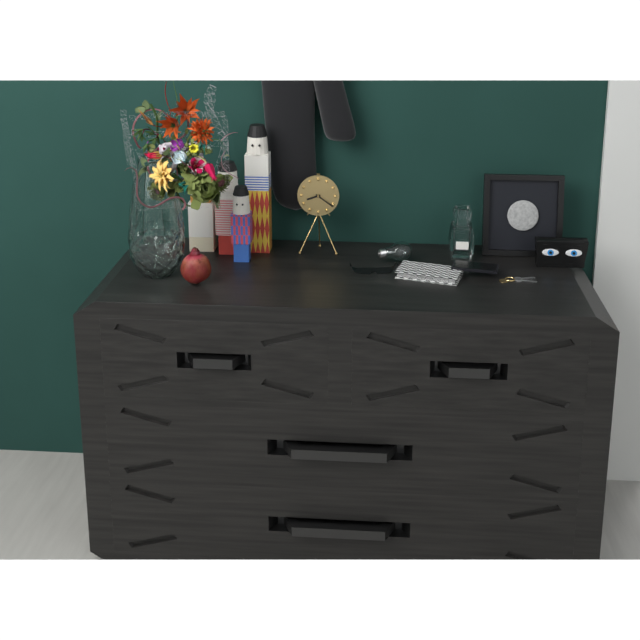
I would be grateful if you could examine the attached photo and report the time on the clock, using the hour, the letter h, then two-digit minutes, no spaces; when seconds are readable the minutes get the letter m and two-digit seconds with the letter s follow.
8h21
